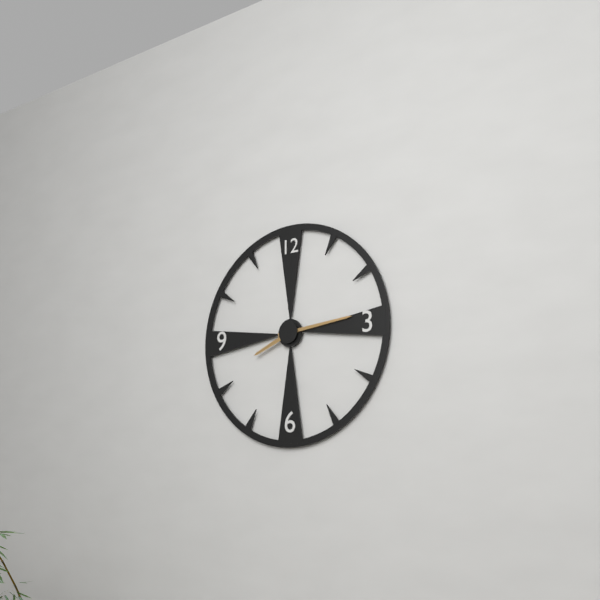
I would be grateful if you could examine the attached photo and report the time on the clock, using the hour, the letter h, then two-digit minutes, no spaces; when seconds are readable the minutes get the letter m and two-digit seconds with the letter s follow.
8h14
